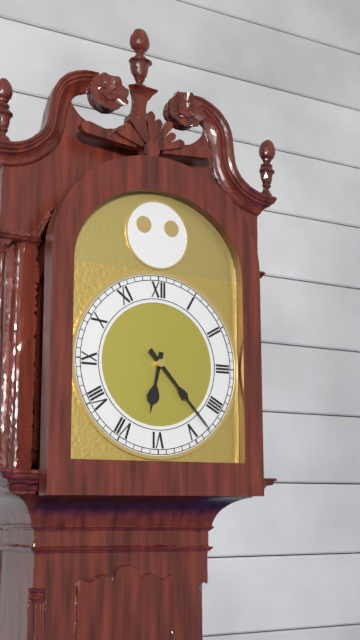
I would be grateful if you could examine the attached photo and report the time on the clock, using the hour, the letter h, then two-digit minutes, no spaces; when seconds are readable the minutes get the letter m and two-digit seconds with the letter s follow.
6h23
